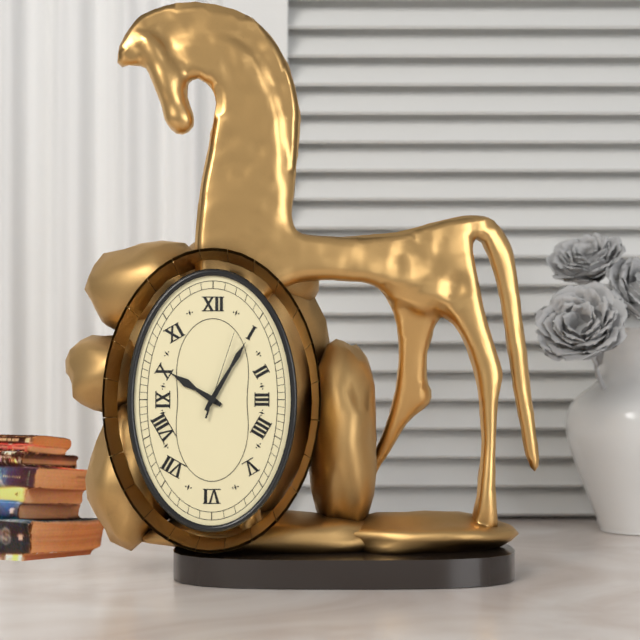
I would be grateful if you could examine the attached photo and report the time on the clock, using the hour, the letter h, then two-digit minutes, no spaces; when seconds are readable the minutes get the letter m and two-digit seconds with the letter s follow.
10h05m03s
